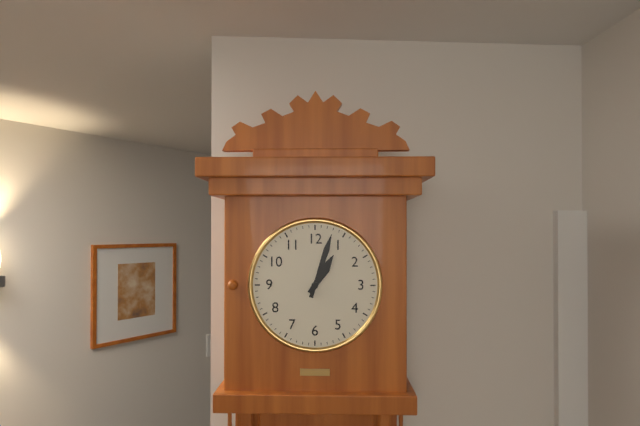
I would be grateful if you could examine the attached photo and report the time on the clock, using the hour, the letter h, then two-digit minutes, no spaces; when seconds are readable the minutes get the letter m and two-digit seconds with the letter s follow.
1h03
